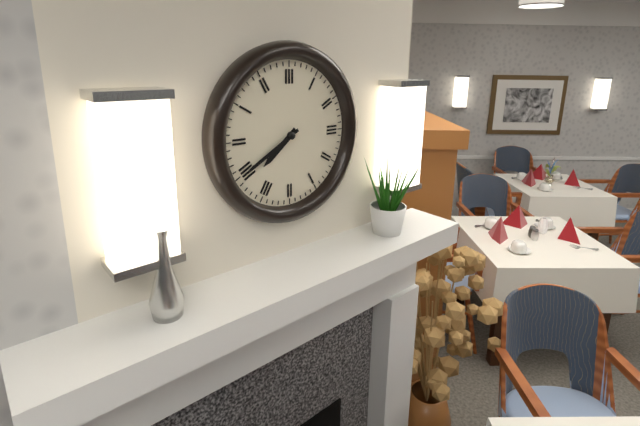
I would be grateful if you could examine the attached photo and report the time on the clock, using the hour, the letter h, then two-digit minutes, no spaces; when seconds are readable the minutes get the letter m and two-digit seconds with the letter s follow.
7h40
